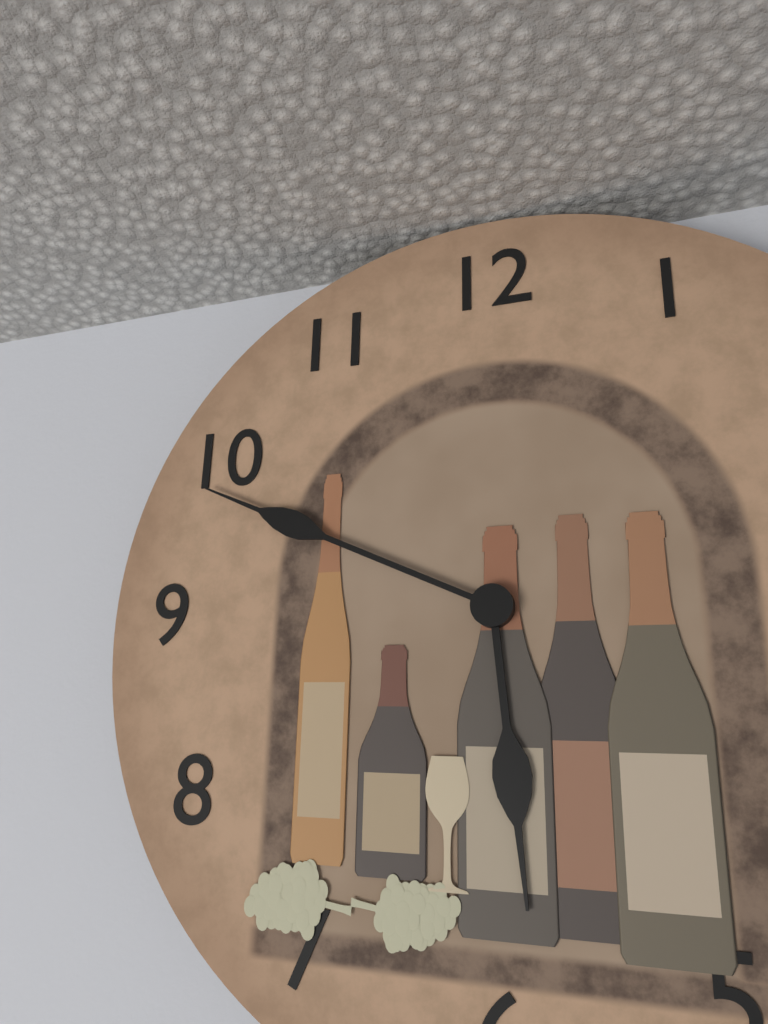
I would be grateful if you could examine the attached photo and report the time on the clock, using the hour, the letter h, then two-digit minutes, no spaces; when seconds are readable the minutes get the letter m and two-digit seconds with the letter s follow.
5h49
